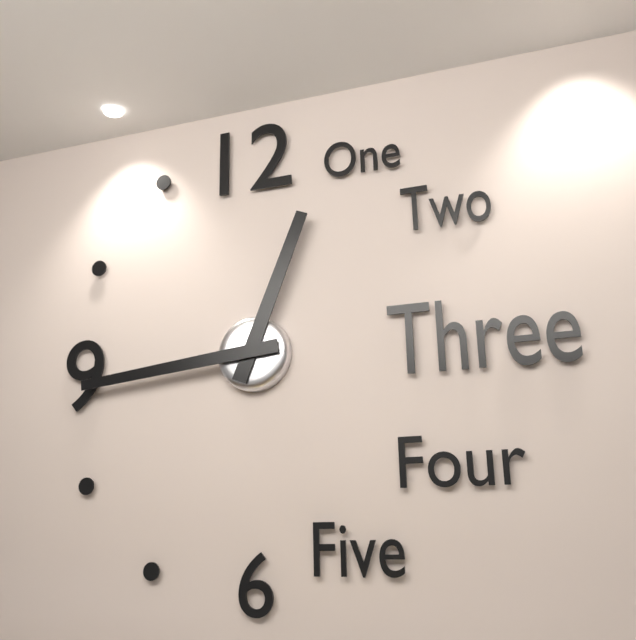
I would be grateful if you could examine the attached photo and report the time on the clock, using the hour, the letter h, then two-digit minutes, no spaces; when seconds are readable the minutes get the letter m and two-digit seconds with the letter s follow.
12h44
